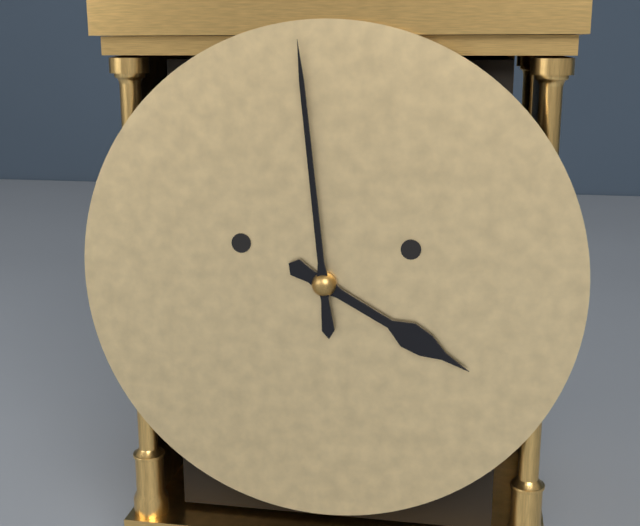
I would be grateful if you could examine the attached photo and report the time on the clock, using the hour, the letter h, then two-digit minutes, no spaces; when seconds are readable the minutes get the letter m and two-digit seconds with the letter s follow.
3h59
